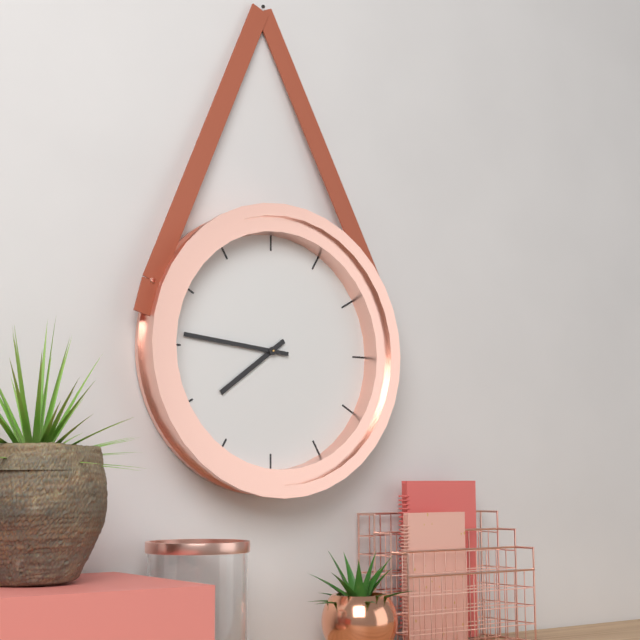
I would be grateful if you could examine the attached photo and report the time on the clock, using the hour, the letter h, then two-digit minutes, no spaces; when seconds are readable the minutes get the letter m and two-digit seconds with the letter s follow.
7h46
